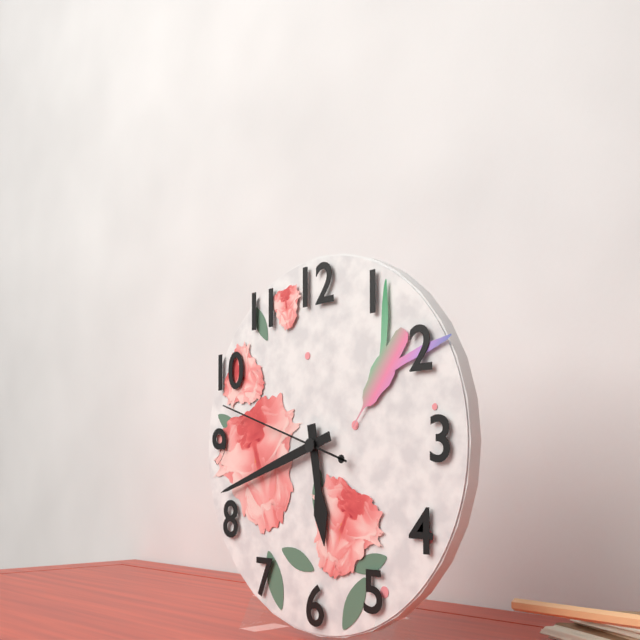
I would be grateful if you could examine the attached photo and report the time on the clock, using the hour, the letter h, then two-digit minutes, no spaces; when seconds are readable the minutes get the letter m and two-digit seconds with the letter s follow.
5h42m48s
